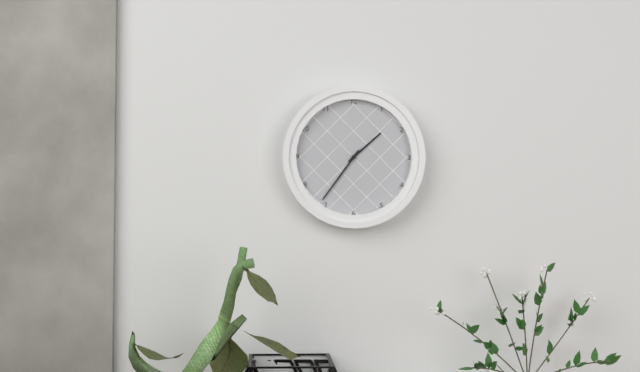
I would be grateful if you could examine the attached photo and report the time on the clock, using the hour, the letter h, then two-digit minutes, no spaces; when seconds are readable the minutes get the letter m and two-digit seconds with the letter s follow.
1h36
